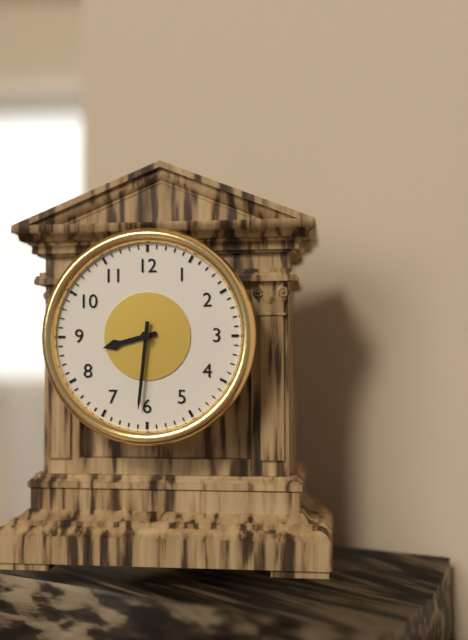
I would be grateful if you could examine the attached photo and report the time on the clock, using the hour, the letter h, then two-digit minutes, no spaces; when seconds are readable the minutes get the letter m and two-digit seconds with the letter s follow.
8h31
